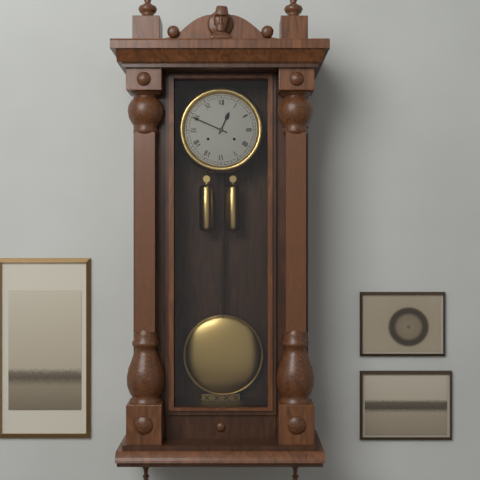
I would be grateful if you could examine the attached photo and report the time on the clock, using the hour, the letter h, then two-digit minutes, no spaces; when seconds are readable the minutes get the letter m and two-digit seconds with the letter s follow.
12h49
